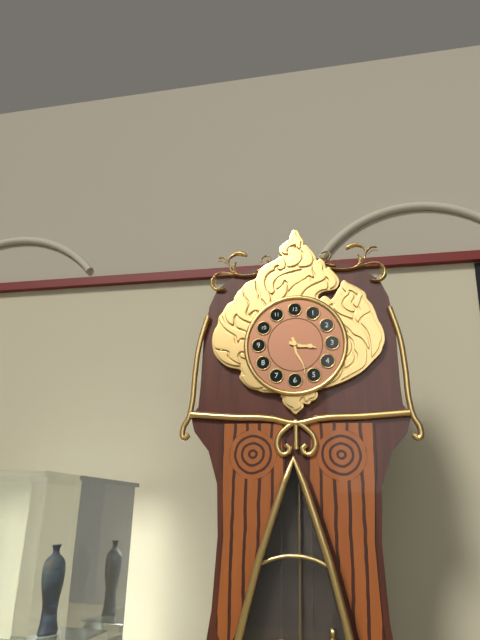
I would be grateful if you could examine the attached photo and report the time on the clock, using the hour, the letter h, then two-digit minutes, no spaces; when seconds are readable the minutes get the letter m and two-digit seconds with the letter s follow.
3h27
